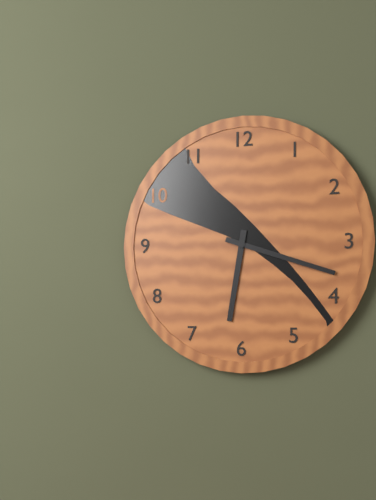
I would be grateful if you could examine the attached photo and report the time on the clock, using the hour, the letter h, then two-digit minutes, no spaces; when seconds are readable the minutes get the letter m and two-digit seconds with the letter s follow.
6h18
